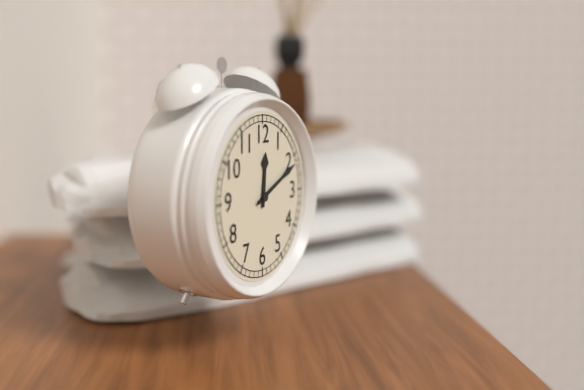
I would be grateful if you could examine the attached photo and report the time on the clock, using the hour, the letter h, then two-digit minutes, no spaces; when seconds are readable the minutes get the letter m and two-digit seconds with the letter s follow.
12h11
